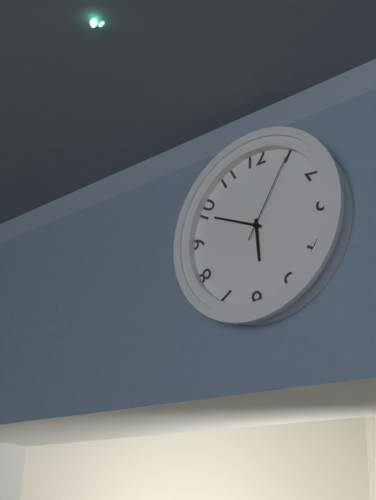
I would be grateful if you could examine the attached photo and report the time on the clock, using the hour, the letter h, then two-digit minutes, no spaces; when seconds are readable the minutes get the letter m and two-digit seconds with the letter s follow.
5h49m05s
